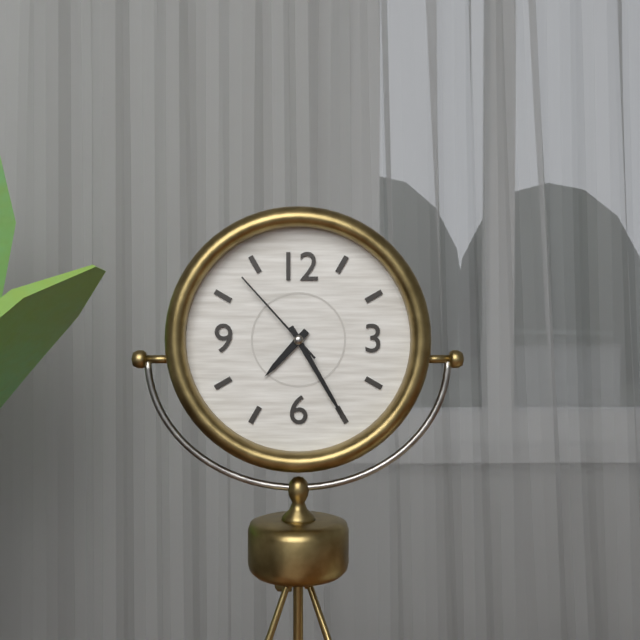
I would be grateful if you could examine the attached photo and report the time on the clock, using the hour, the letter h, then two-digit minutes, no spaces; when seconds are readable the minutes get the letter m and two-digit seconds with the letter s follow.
7h25m53s
